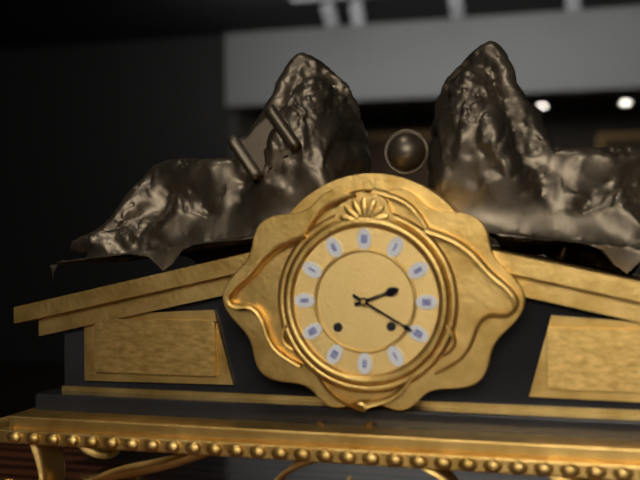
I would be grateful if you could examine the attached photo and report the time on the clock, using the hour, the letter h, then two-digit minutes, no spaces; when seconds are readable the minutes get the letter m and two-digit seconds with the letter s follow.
2h20
